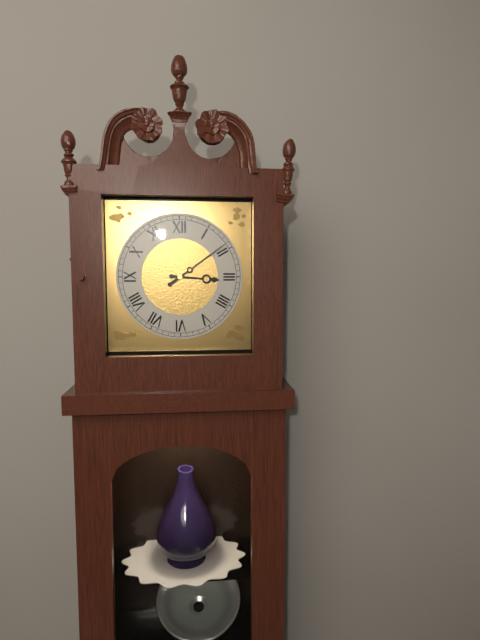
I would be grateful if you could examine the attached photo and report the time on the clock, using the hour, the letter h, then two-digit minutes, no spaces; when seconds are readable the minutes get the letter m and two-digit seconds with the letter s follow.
3h09
